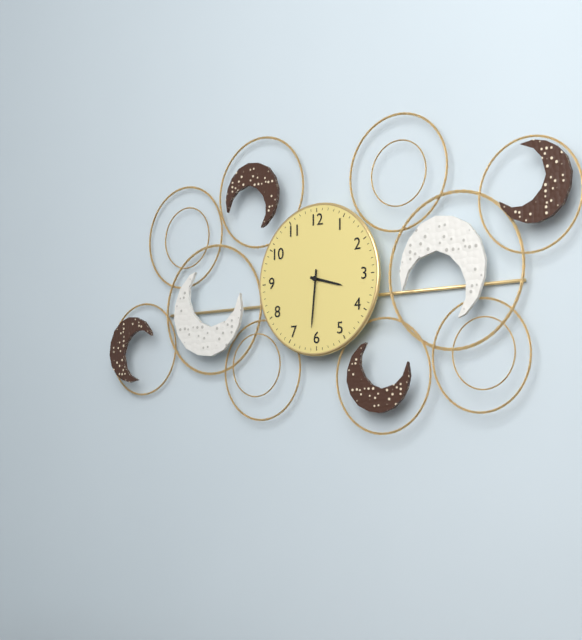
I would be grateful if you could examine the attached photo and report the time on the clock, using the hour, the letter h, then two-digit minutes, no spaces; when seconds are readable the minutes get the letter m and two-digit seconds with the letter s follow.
3h31
